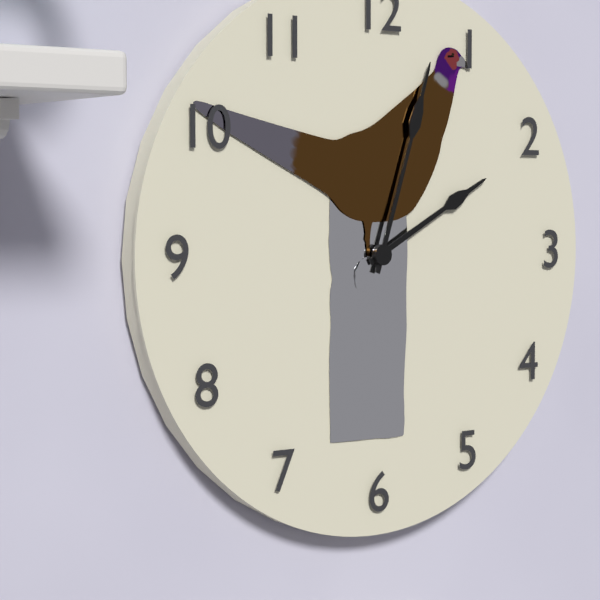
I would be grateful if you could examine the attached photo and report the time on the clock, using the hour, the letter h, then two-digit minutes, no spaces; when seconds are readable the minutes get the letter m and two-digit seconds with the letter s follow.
2h03
